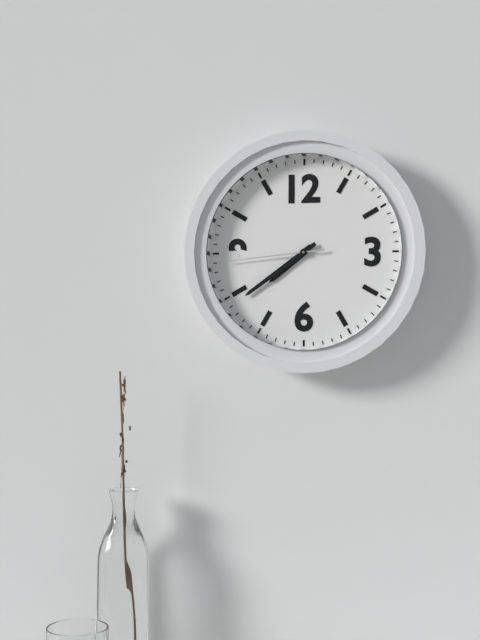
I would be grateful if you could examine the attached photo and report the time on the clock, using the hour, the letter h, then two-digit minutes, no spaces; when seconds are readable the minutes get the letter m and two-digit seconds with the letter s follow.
7h39m44s
